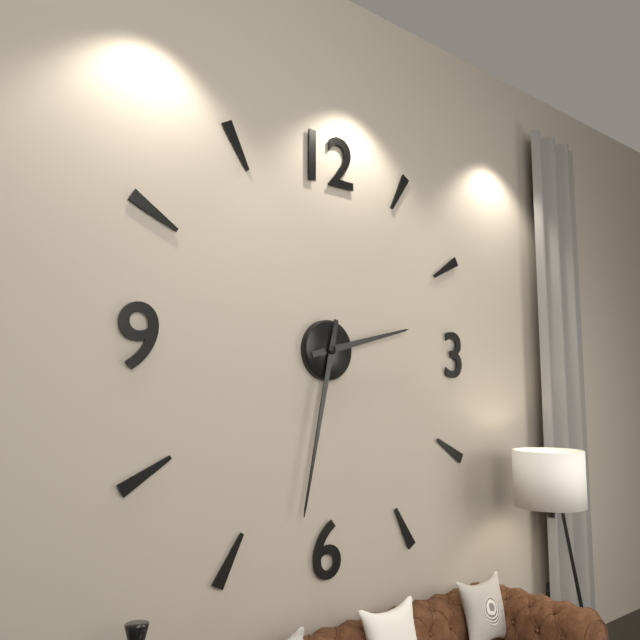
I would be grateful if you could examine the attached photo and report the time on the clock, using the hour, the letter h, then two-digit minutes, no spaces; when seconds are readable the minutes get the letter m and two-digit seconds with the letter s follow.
2h32
